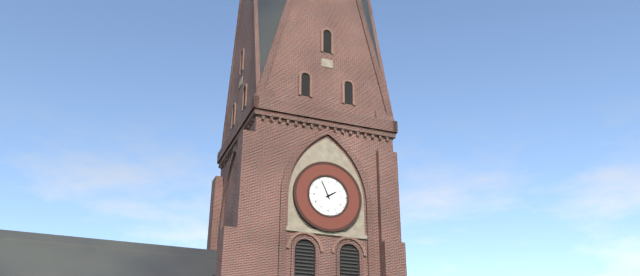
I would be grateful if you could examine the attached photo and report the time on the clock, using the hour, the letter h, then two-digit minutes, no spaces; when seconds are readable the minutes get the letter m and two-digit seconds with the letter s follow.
1h56
